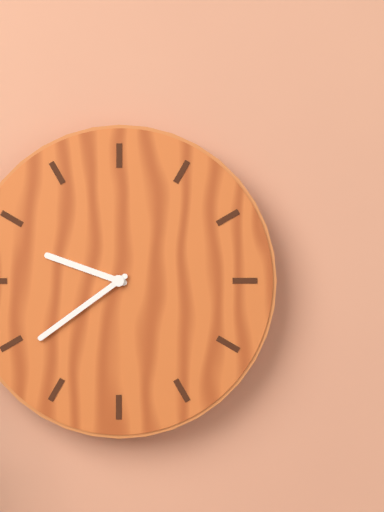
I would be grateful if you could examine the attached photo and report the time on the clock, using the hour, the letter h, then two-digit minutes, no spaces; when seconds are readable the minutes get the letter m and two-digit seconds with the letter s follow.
9h39
